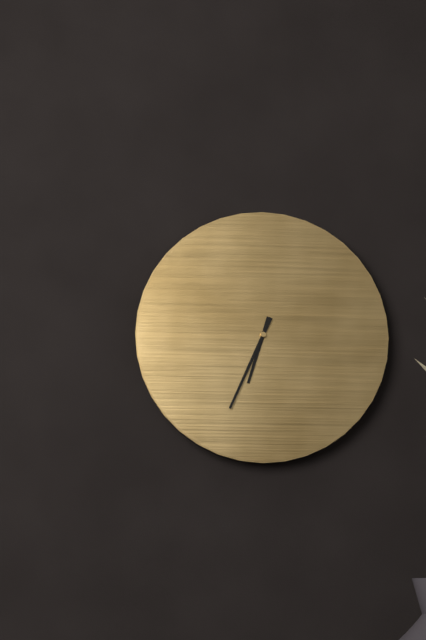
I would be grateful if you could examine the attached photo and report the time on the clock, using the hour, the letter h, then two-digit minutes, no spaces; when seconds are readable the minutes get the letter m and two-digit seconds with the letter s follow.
6h34
